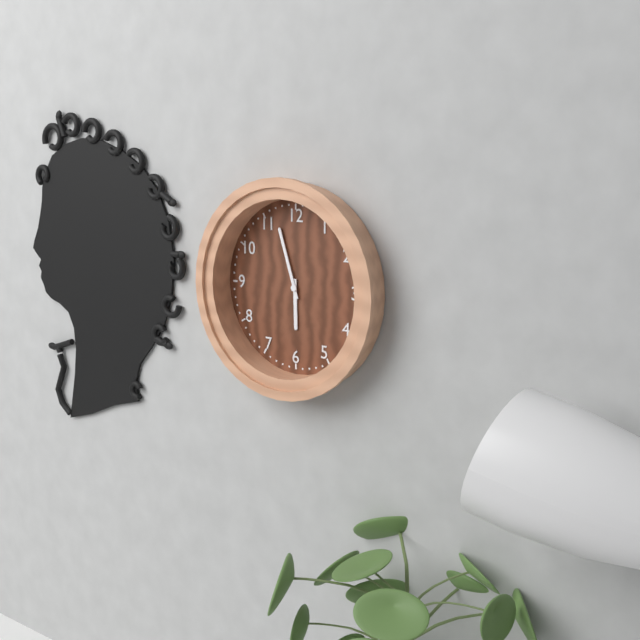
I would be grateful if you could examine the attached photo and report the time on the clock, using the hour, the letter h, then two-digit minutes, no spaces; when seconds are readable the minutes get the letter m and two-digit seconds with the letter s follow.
5h57
